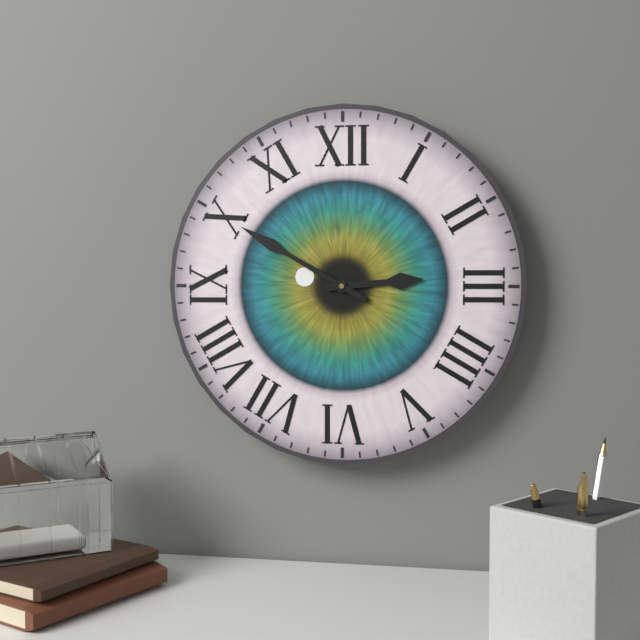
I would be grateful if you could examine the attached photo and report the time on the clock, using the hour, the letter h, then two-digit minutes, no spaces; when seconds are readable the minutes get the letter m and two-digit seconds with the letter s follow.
2h50
